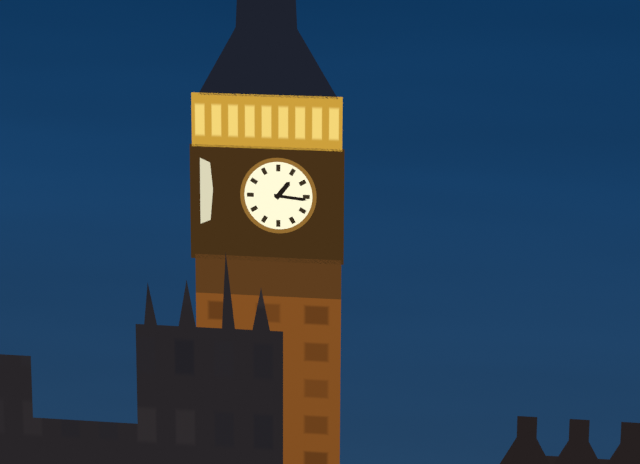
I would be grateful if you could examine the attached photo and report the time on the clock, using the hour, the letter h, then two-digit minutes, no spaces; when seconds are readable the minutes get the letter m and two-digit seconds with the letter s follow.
1h16
